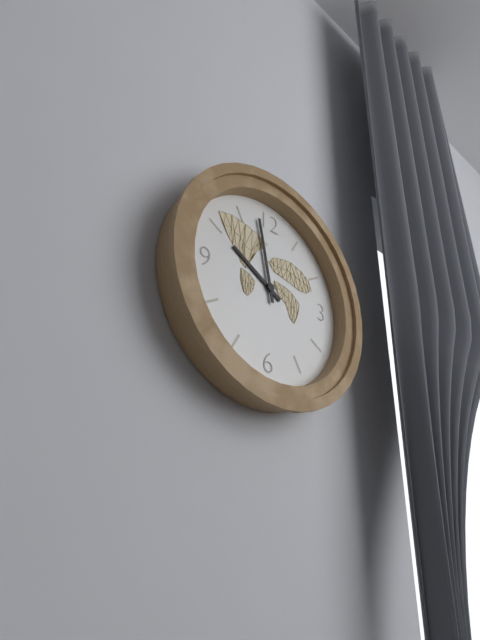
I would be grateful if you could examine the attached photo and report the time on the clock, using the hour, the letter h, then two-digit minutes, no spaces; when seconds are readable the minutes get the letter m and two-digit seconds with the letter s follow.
9h58
